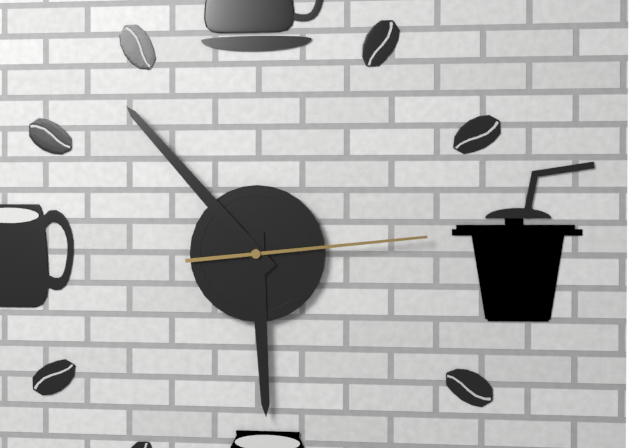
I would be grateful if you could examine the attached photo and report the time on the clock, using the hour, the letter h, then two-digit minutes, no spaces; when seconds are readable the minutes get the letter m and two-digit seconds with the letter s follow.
5h53m14s
